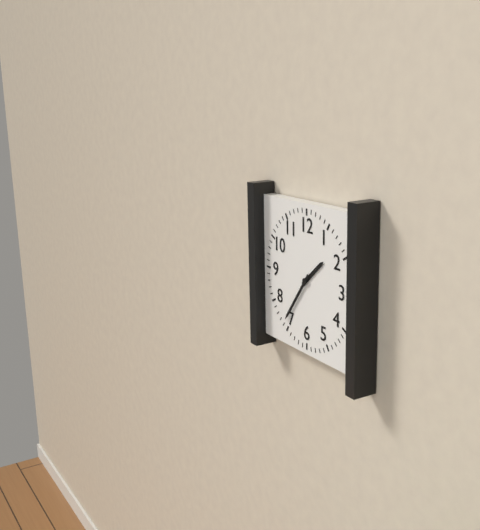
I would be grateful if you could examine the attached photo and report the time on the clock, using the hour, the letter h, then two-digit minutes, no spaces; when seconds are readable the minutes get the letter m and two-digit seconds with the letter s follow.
1h36
